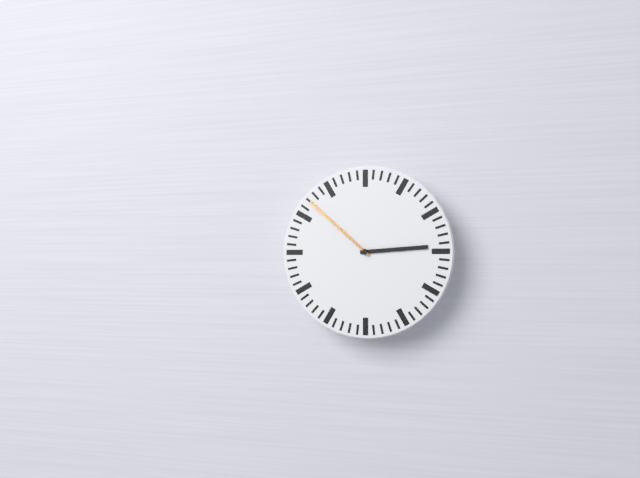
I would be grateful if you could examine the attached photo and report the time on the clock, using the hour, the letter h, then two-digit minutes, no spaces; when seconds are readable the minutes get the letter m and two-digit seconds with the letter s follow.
2h52
